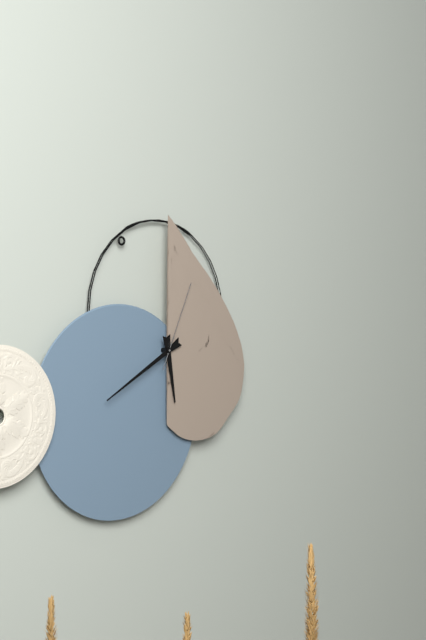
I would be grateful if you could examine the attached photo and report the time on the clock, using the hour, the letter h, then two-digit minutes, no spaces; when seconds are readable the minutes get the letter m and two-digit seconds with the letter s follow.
5h40m04s
